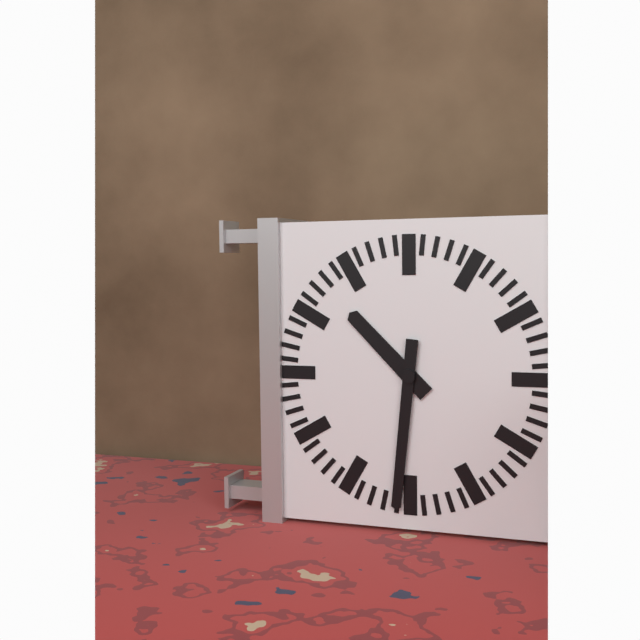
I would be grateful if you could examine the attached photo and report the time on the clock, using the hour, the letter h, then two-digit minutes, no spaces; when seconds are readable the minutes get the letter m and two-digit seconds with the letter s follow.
10h31
